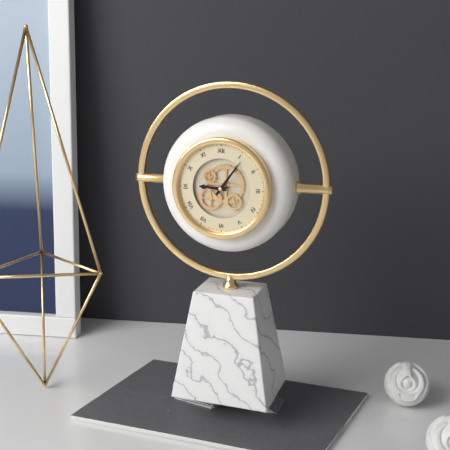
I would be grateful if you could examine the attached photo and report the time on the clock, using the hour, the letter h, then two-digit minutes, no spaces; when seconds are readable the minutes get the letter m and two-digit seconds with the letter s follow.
9h06
